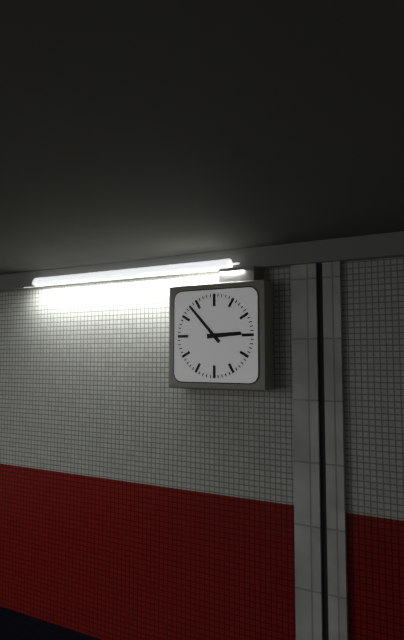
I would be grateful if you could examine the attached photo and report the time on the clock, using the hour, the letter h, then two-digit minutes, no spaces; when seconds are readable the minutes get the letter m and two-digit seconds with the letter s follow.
2h53
